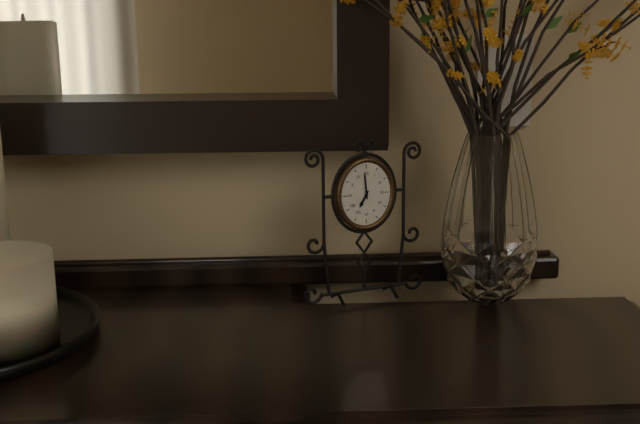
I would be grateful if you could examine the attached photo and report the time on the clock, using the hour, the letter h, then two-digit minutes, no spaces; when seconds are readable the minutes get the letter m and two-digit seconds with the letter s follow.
6h59
